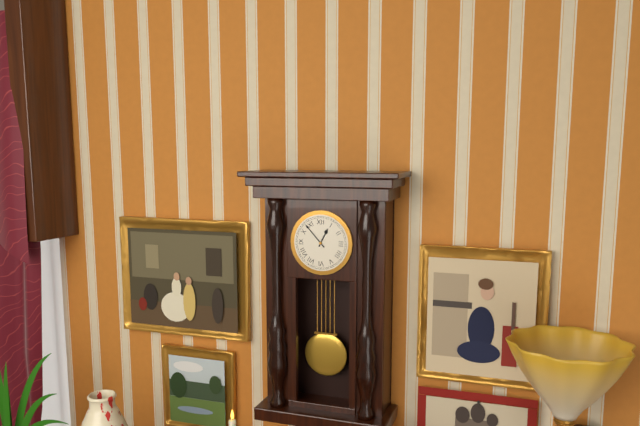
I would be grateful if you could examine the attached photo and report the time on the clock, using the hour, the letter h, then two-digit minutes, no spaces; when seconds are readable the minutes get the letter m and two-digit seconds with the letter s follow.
12h53
